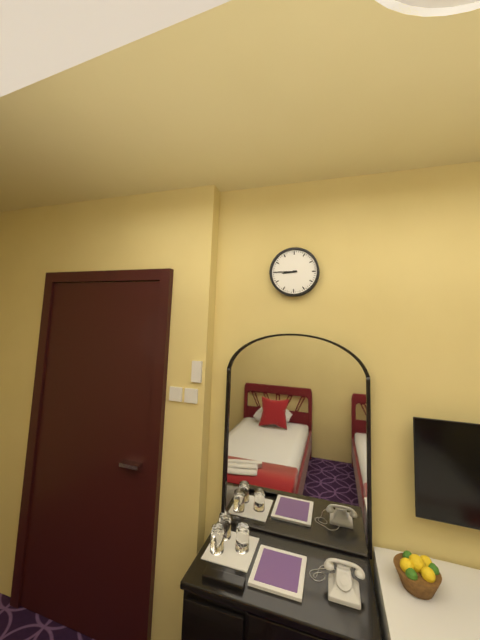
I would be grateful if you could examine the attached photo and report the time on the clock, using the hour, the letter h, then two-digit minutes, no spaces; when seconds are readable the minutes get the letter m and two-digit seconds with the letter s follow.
8h45
